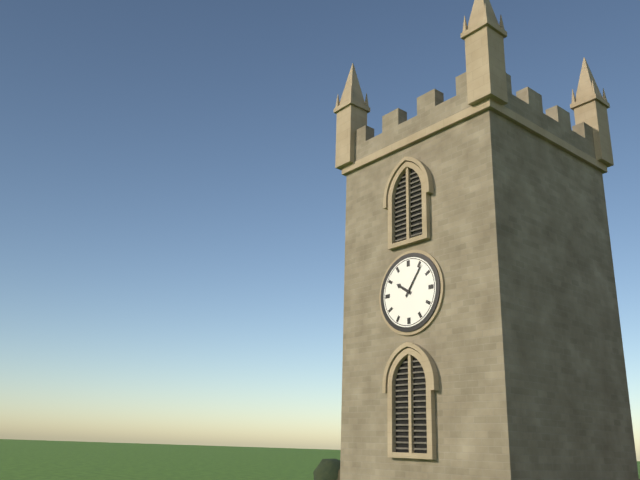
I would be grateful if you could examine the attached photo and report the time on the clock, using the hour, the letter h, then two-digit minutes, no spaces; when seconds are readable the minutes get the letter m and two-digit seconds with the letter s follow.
10h06
